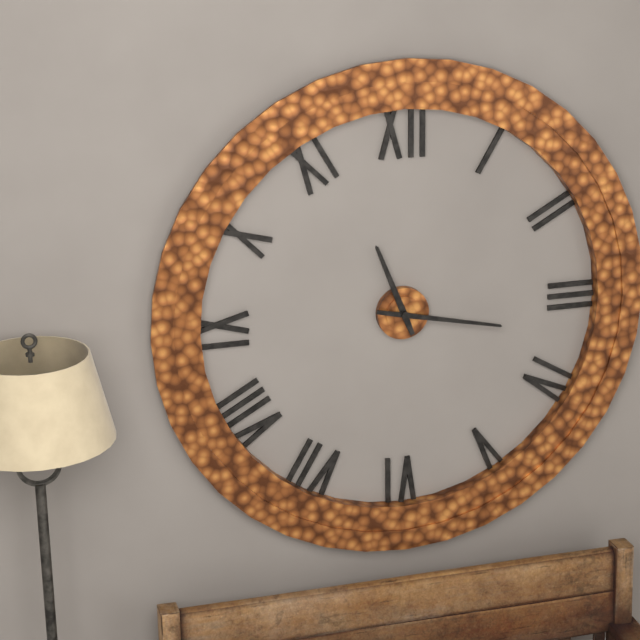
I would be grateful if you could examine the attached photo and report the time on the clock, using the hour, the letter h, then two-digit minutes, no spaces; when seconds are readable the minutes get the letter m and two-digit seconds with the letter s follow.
11h17
